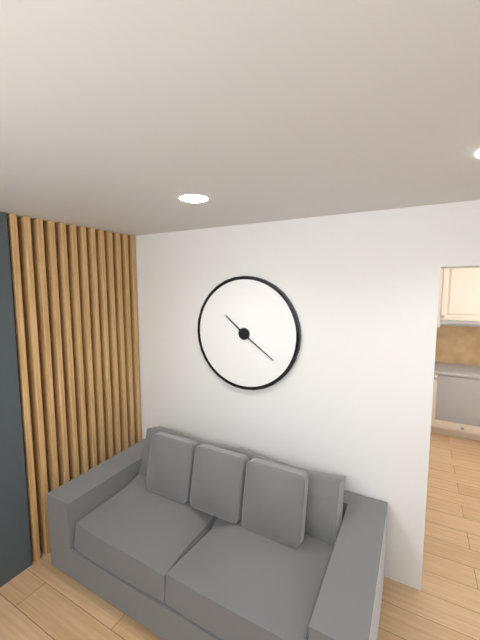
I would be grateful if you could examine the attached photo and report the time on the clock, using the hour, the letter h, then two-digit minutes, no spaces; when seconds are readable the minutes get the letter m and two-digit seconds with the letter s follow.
10h21
